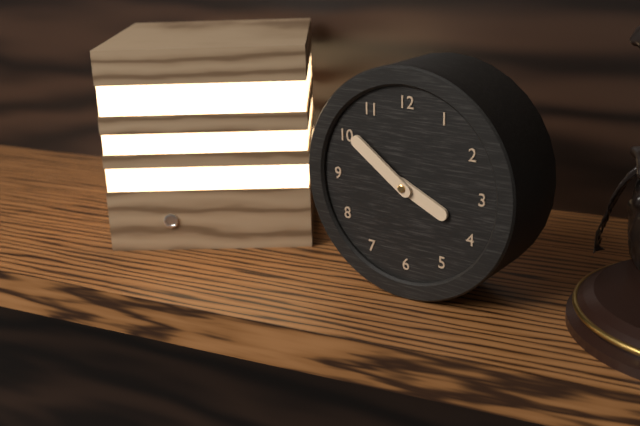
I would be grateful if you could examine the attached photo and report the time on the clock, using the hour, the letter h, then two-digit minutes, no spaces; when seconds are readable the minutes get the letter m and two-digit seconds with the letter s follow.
3h51
